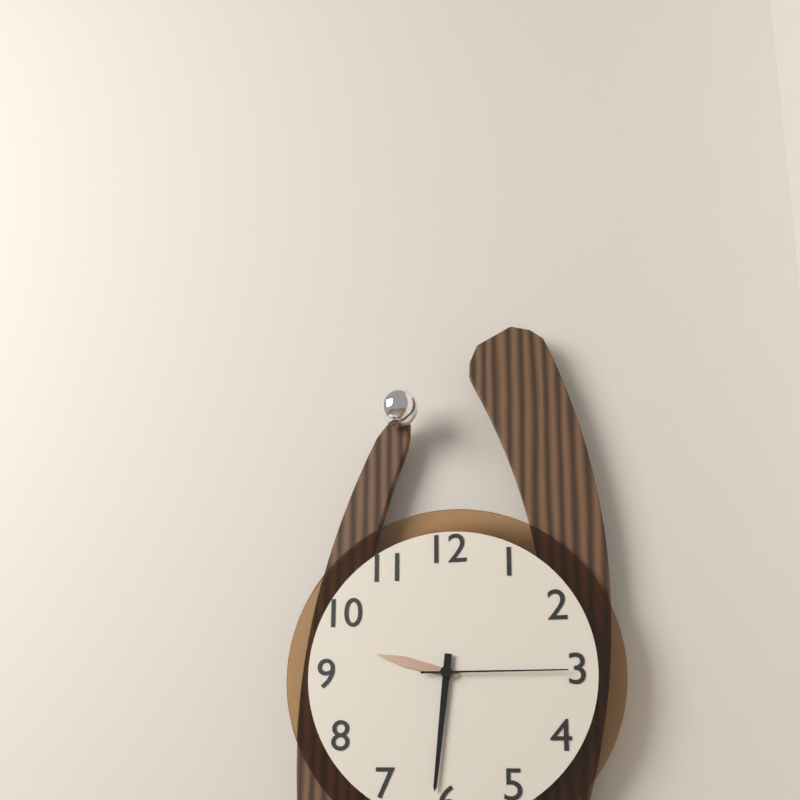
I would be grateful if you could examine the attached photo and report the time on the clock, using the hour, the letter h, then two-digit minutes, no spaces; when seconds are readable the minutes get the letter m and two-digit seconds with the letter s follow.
9h31m15s
